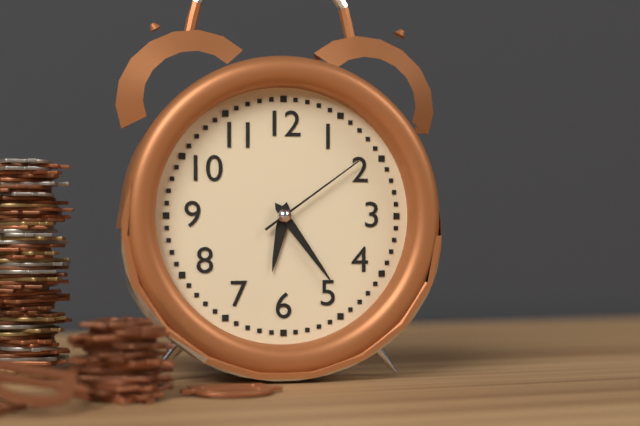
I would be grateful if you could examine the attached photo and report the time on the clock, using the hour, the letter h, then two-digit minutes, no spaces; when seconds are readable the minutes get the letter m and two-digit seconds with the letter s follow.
6h24m09s
